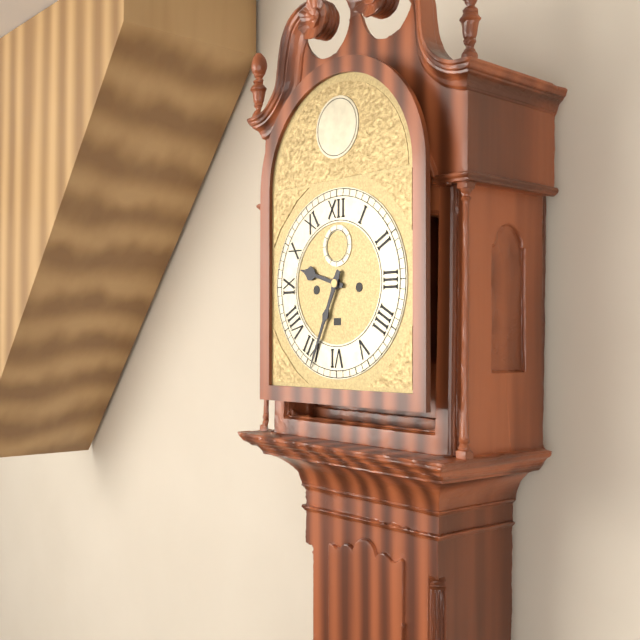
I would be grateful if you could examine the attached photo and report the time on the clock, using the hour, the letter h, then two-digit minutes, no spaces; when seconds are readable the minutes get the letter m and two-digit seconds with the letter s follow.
9h34
